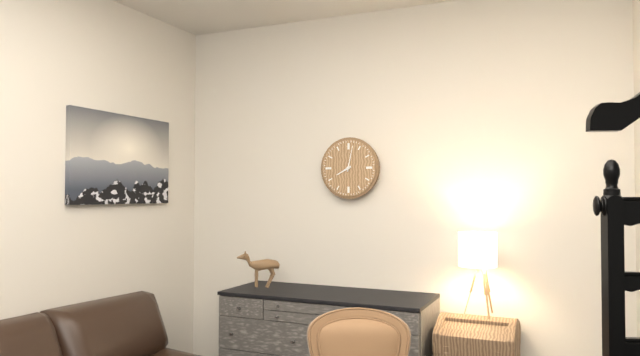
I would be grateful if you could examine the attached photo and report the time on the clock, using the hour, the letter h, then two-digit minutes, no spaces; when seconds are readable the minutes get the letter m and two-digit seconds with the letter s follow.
8h02
